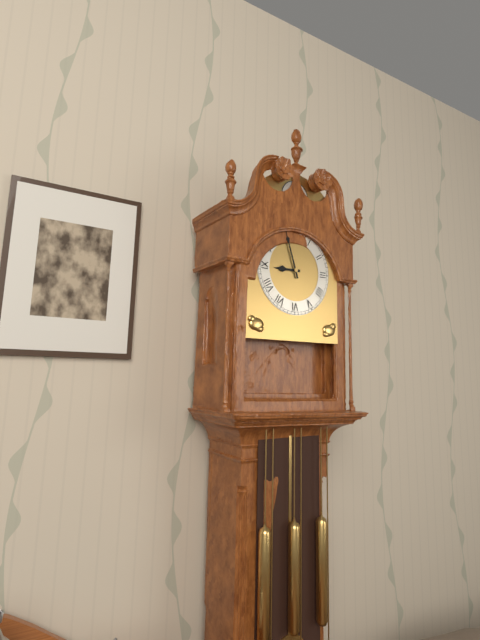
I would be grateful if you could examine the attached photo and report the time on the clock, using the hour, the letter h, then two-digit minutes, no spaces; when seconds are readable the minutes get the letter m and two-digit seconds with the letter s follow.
8h57
